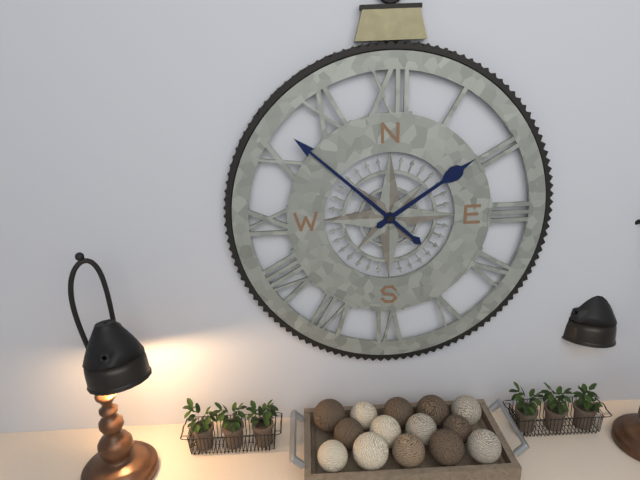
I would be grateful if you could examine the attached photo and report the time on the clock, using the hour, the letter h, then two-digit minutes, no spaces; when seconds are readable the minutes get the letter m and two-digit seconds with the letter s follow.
1h52
